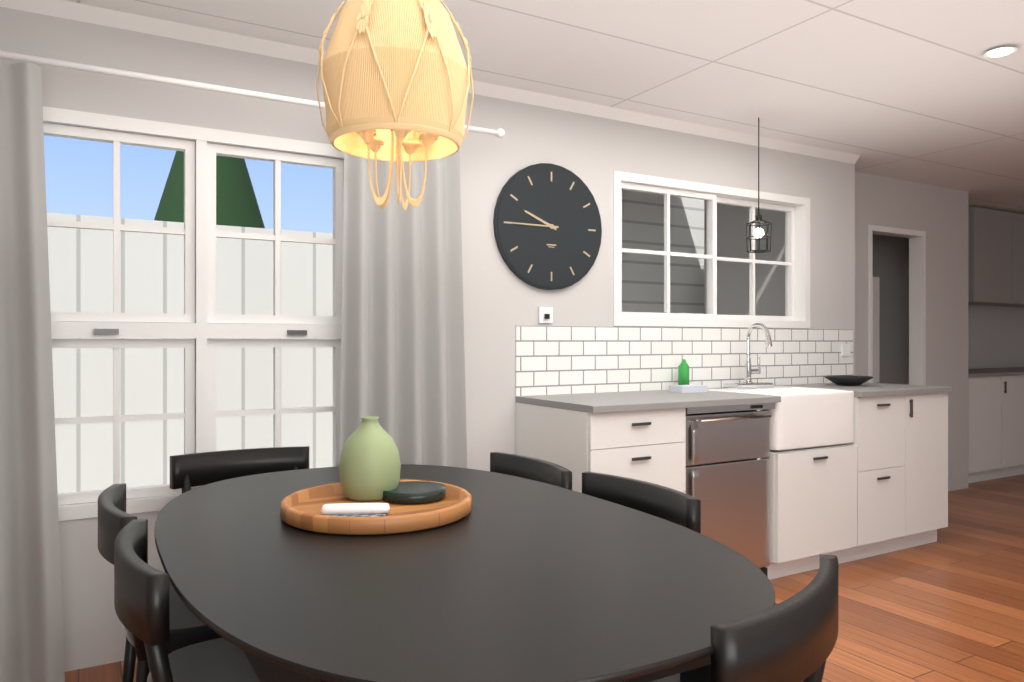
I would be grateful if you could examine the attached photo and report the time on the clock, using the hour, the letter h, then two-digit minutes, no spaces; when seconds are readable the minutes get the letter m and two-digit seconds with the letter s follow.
9h45
